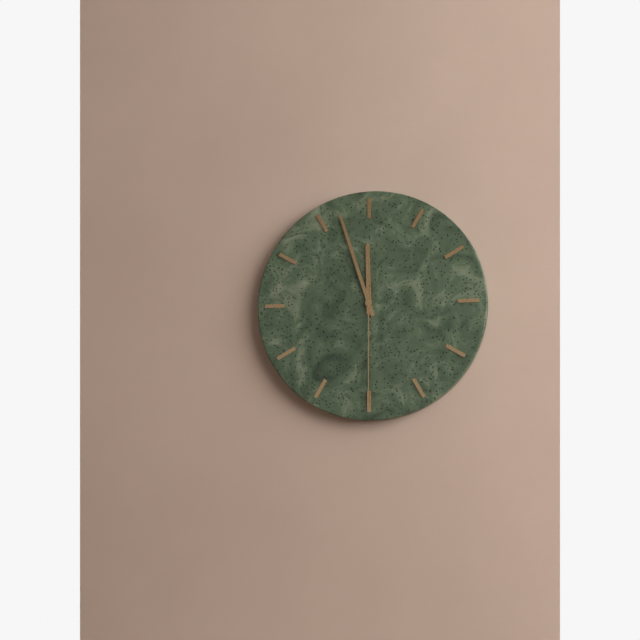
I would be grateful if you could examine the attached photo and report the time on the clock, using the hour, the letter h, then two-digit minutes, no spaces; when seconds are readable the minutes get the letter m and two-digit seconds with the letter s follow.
11h57m30s
